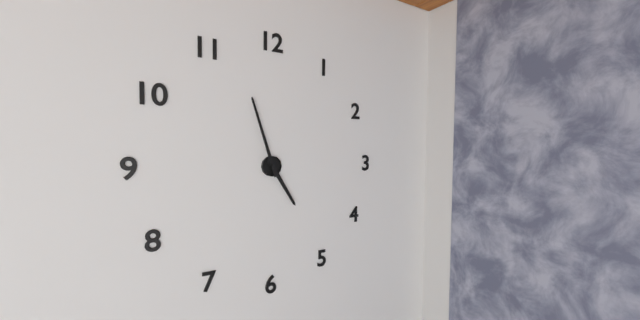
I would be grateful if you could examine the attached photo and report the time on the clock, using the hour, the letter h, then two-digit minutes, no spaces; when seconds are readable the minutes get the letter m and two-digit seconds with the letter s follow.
4h57
